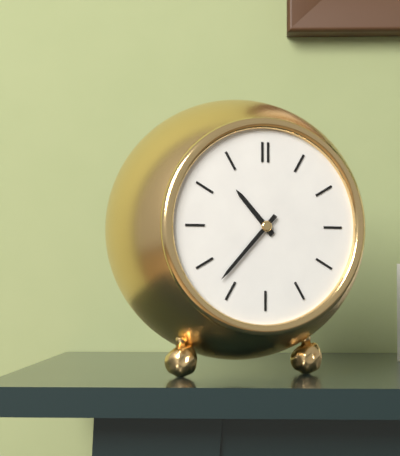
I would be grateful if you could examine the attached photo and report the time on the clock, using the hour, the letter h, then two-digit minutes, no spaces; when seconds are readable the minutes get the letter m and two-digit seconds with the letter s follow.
10h37
